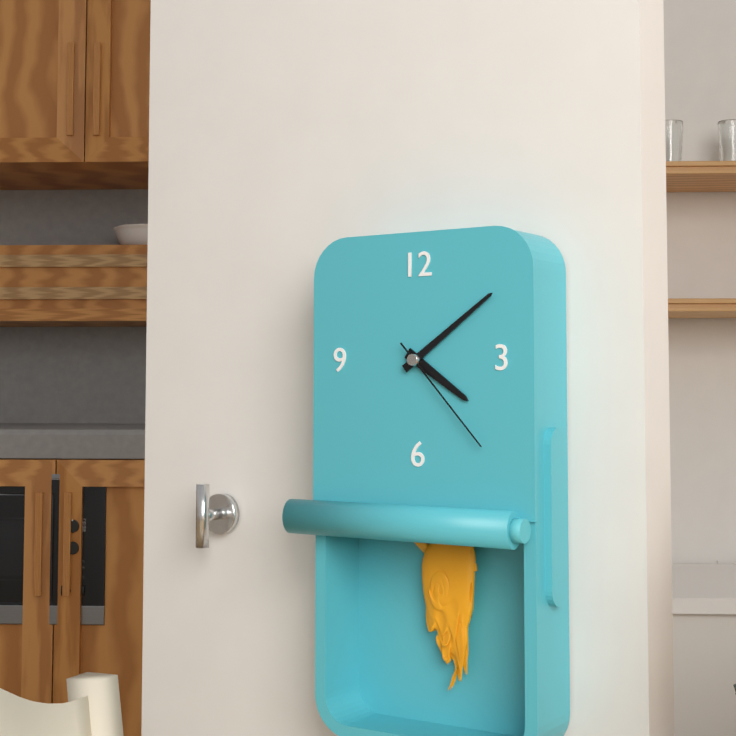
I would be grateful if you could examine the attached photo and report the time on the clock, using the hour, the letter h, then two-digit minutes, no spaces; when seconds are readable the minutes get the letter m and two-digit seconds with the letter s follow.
4h09m23s
